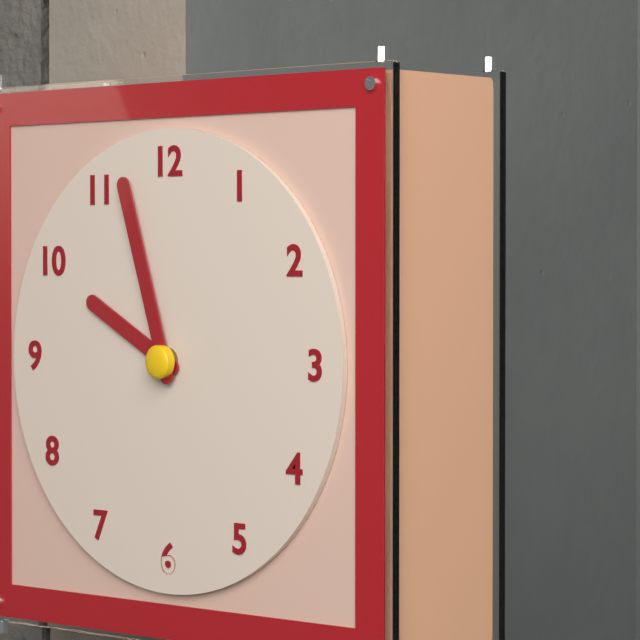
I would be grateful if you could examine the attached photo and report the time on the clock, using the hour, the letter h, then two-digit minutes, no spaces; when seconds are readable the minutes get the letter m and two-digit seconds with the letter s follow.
9h57
